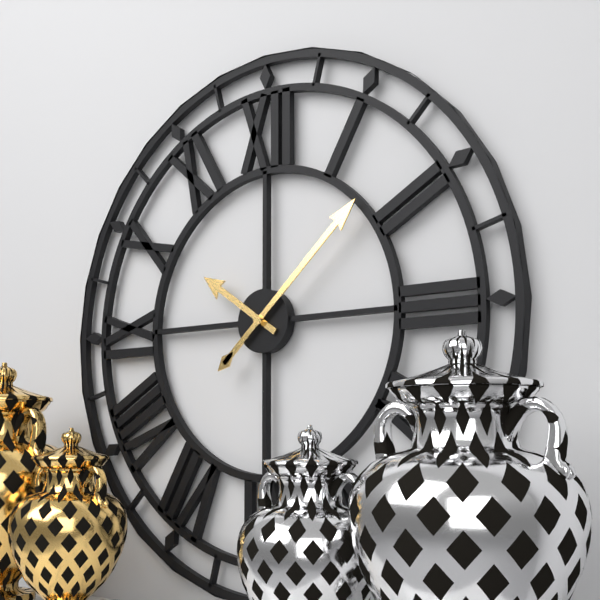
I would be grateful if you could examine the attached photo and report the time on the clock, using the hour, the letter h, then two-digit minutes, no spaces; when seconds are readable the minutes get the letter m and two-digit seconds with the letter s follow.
10h08
